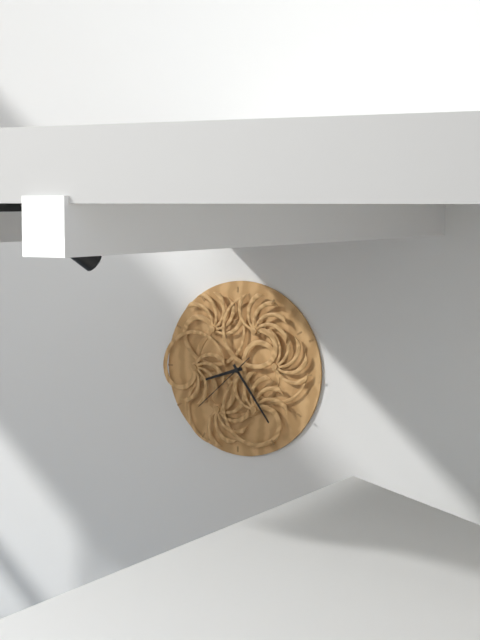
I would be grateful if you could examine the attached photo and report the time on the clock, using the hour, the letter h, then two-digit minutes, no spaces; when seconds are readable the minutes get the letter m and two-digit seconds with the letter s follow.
8h24m38s
